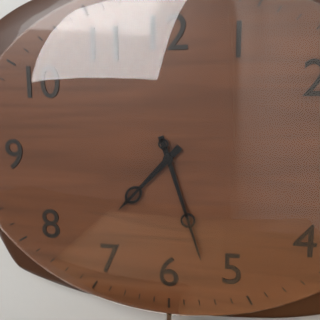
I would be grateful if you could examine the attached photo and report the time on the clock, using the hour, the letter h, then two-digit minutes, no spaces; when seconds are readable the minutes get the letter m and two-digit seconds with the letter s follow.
7h27
